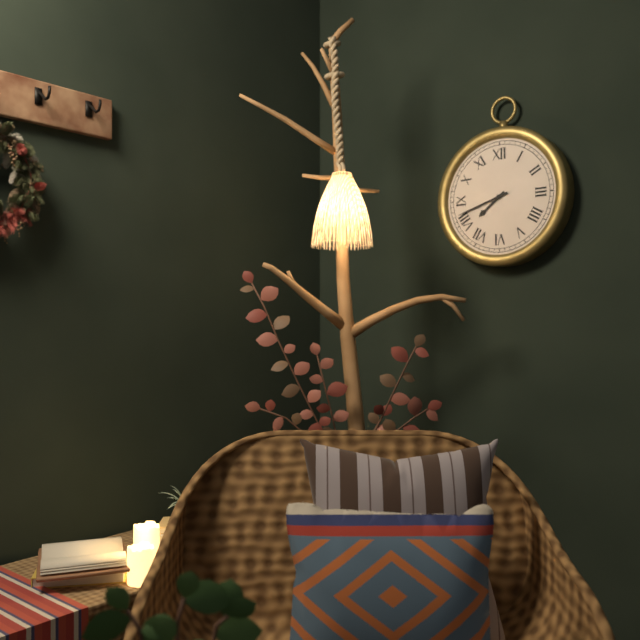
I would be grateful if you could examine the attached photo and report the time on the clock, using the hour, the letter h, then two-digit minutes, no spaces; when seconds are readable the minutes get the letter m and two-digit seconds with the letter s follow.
7h42
